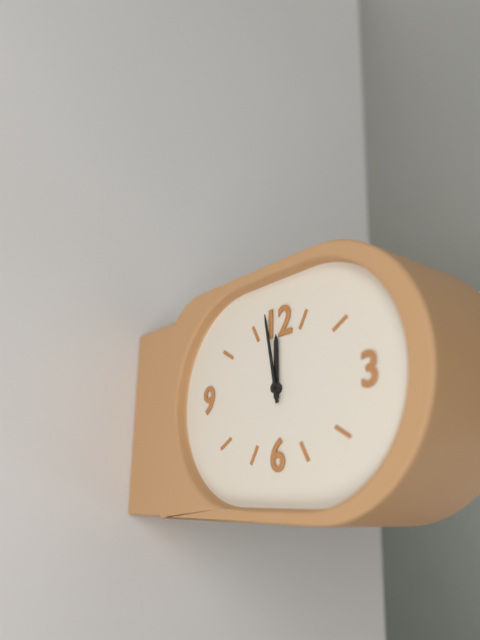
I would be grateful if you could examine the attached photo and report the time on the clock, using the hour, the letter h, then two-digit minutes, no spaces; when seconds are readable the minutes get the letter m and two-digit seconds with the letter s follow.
11h58
